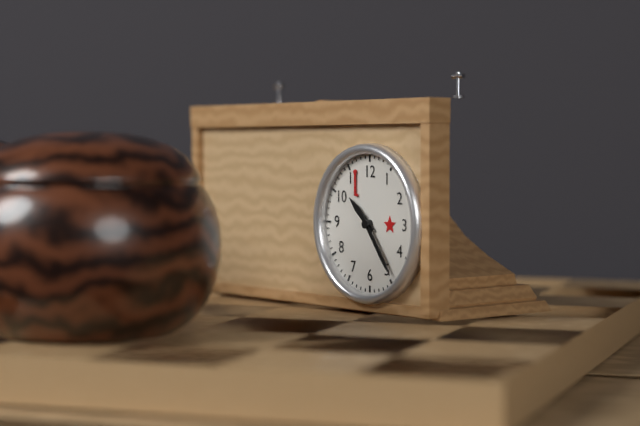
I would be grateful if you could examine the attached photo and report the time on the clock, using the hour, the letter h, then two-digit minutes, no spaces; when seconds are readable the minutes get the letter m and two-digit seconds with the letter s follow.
10h24
